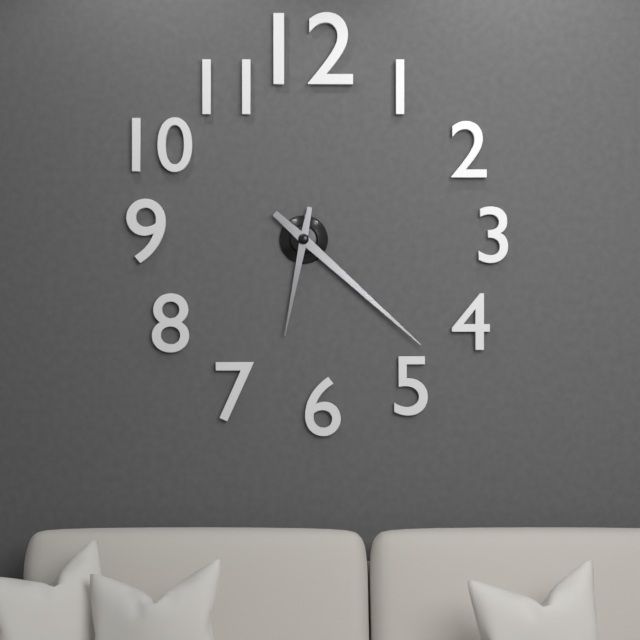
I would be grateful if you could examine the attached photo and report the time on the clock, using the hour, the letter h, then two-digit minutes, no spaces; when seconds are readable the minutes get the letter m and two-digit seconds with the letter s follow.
6h22
